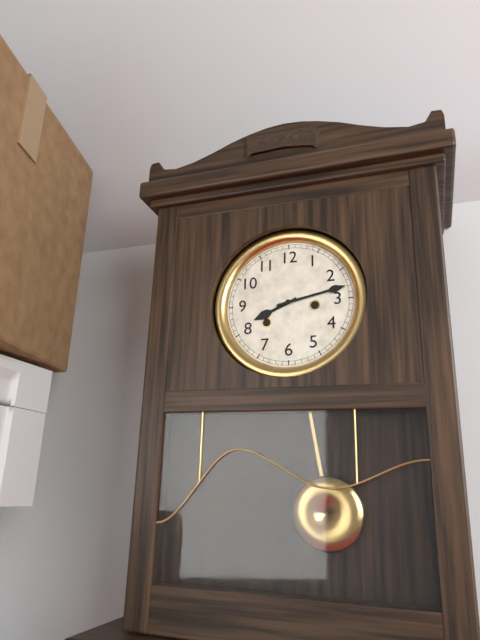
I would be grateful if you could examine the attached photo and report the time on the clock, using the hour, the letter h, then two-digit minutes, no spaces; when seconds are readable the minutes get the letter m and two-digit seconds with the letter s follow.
8h13
